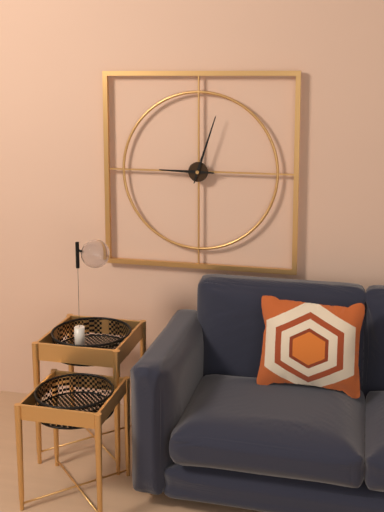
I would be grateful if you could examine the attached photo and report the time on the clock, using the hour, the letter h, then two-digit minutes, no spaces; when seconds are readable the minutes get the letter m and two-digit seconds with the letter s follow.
9h03
